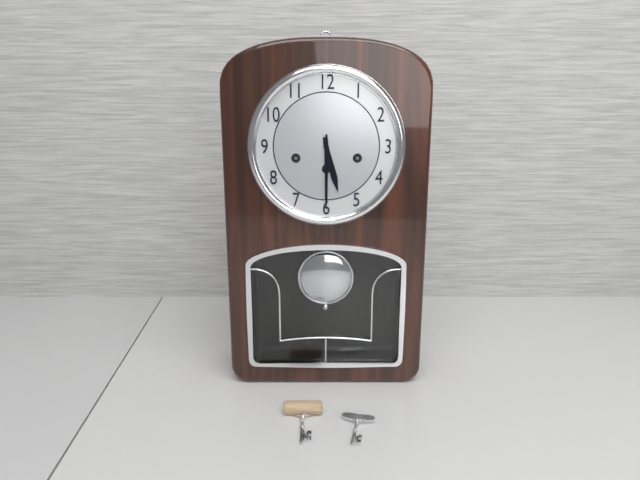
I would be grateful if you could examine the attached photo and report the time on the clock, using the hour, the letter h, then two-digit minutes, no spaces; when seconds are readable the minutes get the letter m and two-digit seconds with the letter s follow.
5h30
